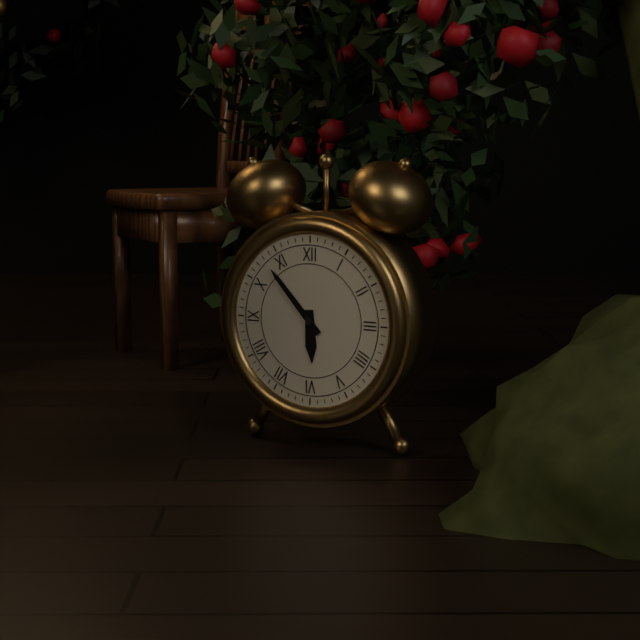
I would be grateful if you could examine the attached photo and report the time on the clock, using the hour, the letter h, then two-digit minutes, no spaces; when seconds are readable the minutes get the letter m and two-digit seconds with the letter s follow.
5h53
